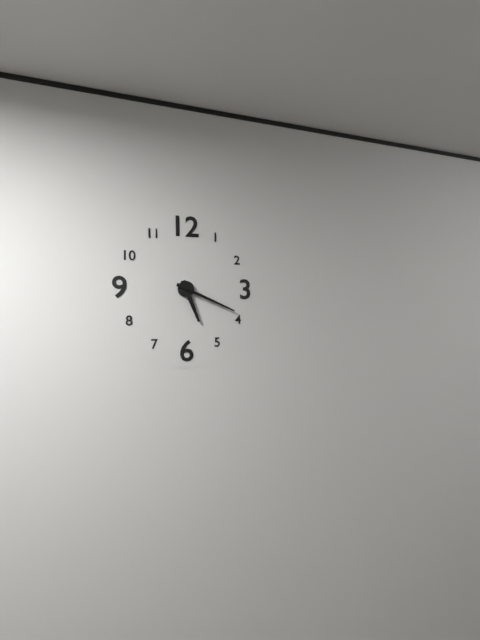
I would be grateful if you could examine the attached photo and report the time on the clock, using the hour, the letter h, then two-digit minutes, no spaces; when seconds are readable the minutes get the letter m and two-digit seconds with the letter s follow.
5h19
